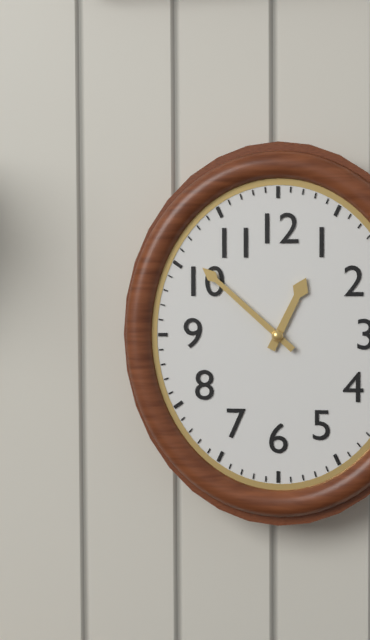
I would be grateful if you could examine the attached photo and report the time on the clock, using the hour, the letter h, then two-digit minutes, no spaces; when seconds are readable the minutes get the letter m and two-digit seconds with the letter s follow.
12h52
